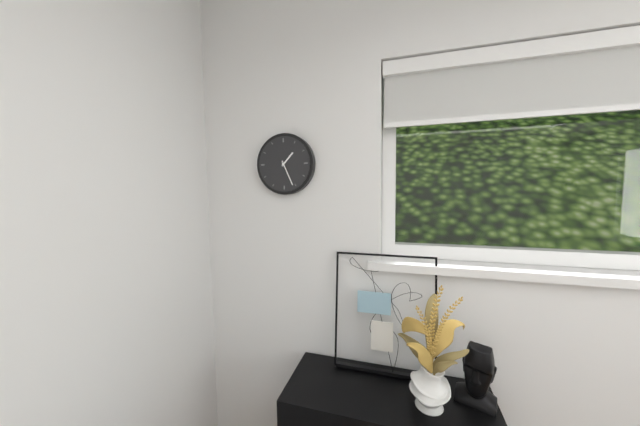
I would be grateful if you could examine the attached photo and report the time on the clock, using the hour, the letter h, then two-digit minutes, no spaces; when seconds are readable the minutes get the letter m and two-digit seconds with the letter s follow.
1h26
